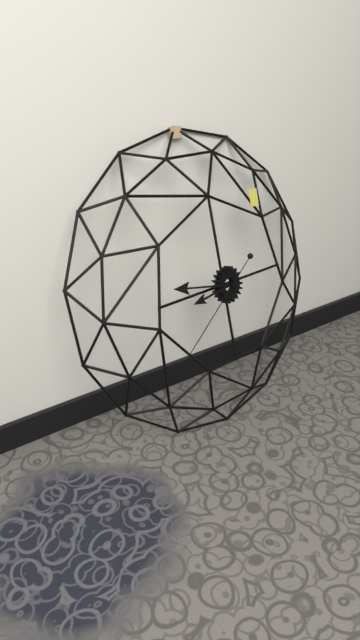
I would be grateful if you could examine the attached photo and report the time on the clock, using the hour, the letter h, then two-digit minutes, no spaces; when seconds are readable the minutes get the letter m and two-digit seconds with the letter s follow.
8h47m39s
